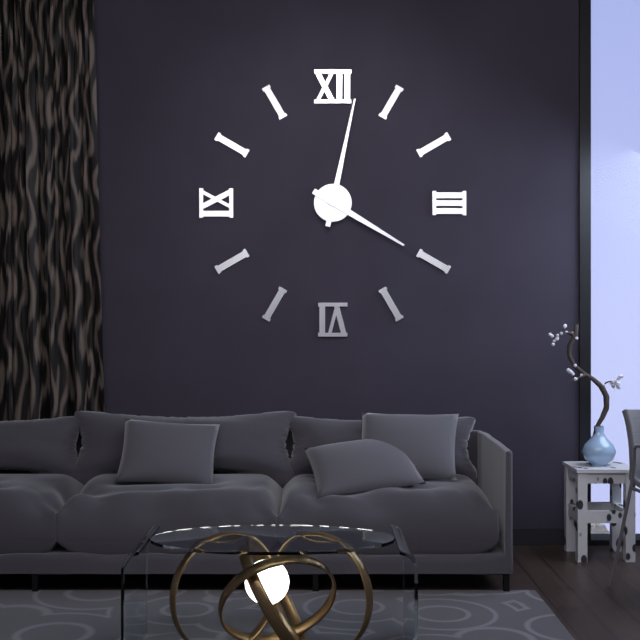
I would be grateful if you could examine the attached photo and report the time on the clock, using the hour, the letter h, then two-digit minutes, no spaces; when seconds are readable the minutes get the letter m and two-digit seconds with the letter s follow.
4h02
